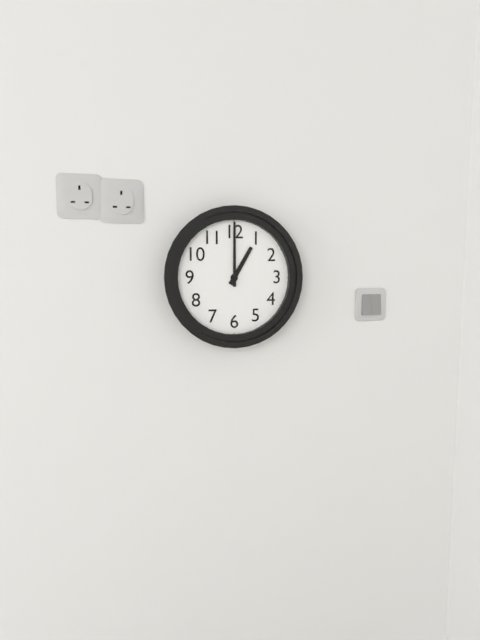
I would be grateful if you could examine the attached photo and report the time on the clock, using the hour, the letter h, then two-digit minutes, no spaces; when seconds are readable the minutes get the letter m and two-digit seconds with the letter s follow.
1h00
